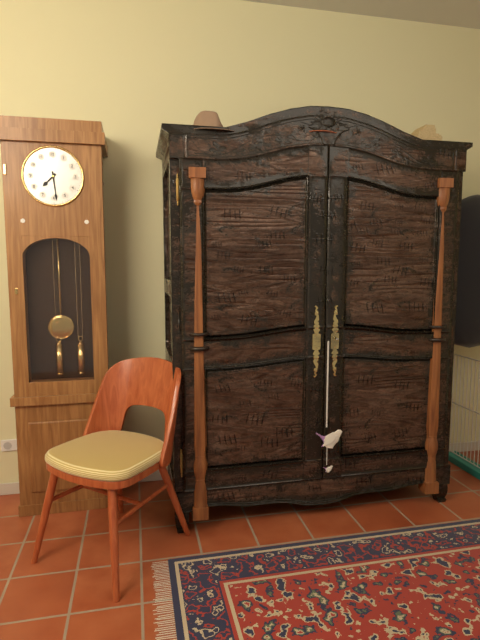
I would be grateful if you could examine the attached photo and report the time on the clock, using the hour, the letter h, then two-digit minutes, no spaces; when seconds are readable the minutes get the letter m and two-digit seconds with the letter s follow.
7h29
